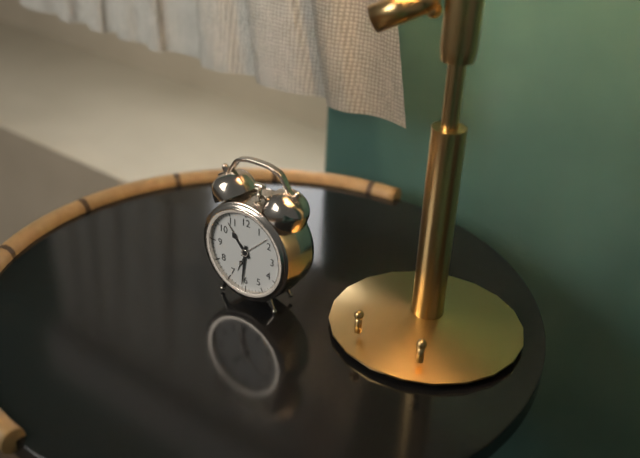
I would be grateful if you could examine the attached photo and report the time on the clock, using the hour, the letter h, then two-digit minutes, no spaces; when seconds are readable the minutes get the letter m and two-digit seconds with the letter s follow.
10h31
